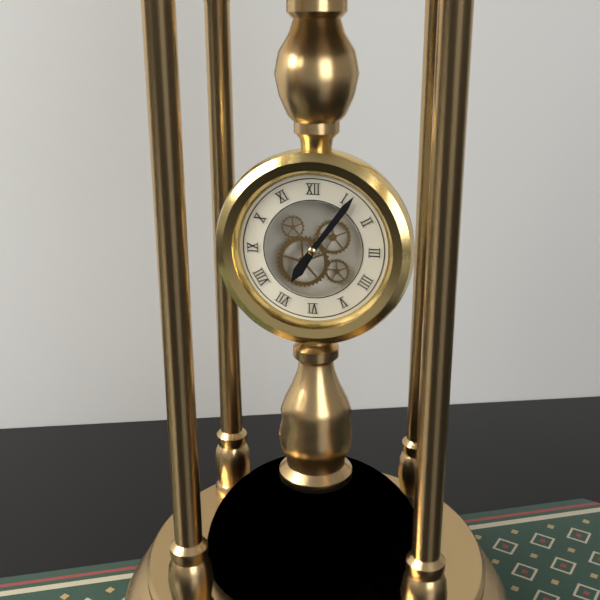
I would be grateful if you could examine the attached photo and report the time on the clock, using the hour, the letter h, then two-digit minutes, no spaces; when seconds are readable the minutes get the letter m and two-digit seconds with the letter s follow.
7h06
